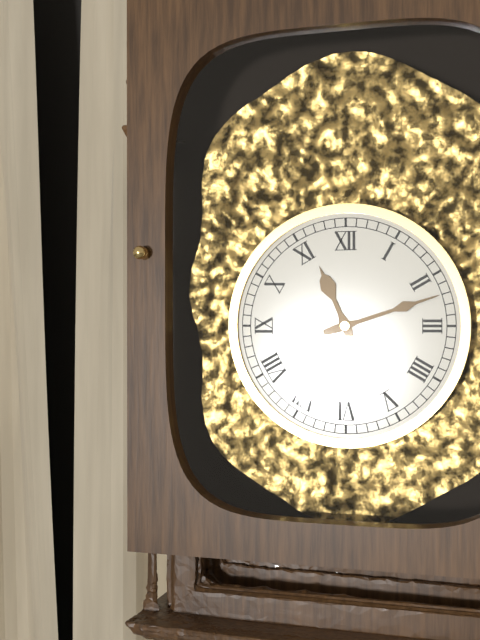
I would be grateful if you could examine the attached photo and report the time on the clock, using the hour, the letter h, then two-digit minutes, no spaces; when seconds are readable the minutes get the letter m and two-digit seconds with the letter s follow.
11h12
